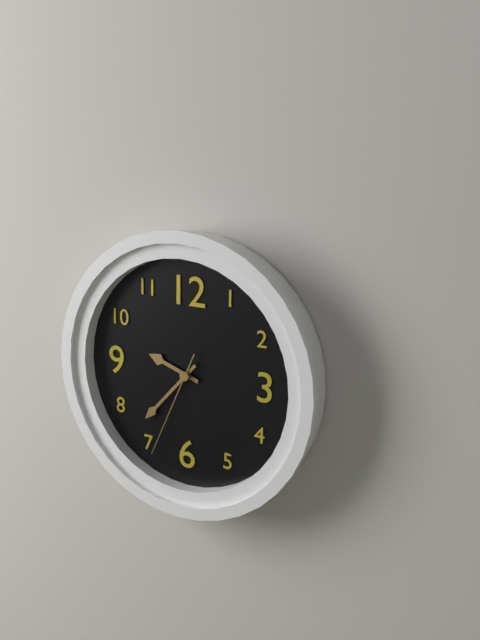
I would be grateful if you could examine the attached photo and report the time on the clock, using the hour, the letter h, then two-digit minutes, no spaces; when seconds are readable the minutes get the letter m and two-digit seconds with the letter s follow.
9h37m34s
